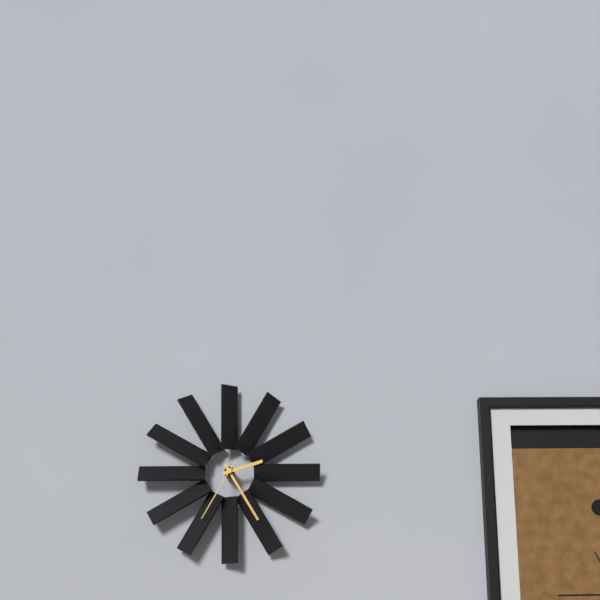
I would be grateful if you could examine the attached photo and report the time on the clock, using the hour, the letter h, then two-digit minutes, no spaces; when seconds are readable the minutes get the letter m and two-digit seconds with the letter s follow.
2h25m35s
